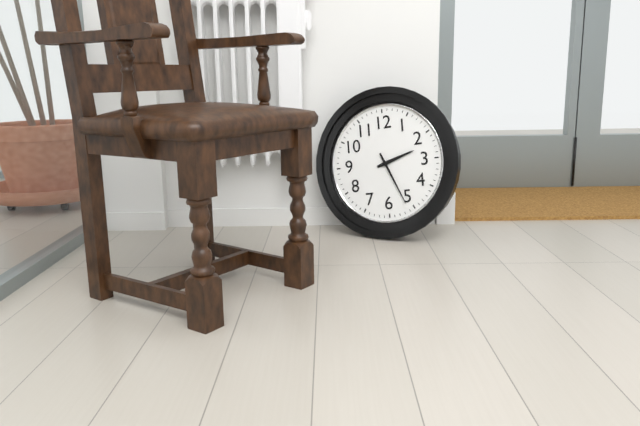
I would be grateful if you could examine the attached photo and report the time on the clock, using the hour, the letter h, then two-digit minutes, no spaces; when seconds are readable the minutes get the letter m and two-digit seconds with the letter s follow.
2h26
